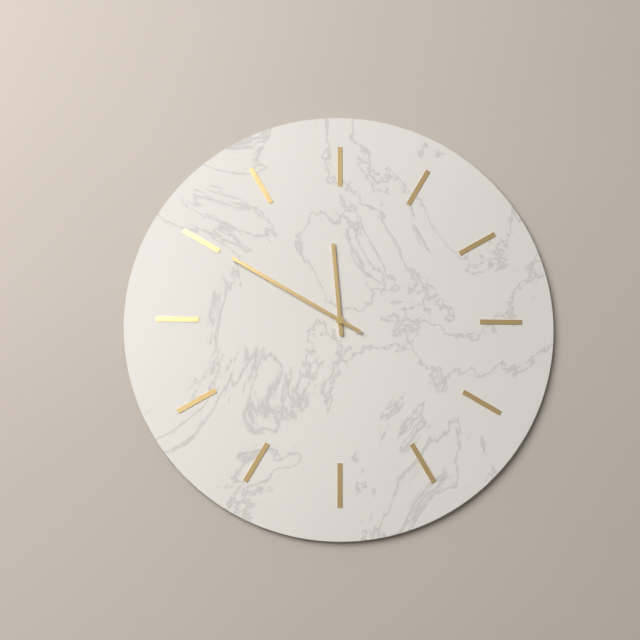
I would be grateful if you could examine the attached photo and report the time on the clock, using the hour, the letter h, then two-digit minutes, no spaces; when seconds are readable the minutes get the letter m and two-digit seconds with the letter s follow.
11h50
